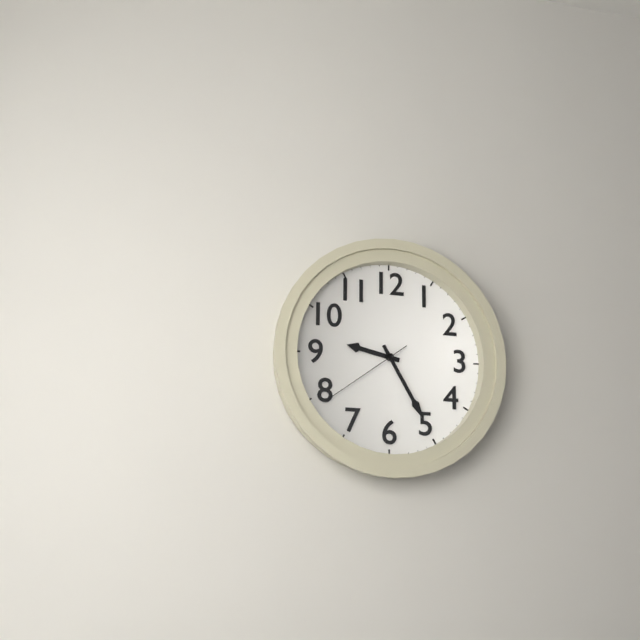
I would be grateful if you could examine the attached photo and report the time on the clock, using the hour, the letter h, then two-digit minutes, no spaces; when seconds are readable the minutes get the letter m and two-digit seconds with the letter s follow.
9h25m39s
